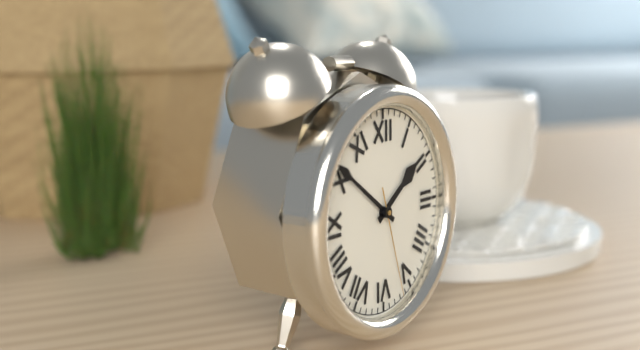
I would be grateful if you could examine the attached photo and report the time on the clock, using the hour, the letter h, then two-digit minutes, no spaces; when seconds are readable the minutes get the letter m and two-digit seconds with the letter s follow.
1h51m27s
